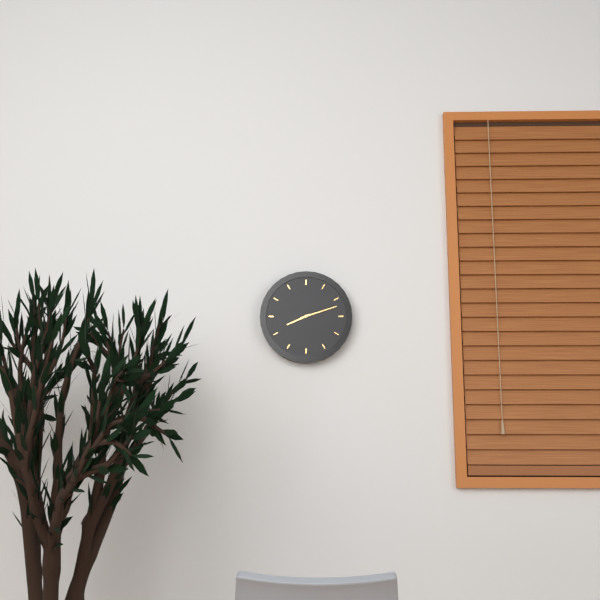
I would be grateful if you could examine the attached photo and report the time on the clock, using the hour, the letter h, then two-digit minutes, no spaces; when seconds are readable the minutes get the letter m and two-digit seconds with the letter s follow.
8h12
